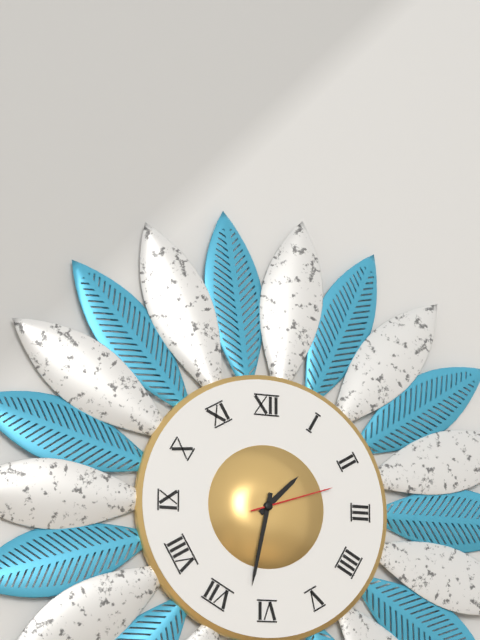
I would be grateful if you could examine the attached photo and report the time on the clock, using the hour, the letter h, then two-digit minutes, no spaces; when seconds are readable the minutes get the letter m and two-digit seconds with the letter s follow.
1h32m12s
